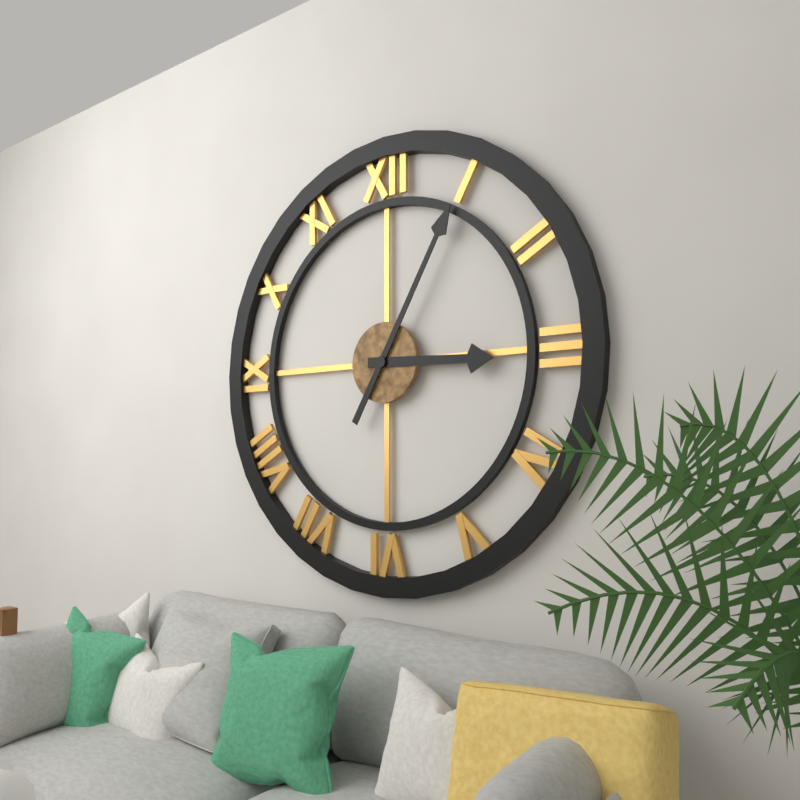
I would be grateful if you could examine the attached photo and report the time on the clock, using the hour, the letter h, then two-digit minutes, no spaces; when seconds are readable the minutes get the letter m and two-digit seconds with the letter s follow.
3h05
